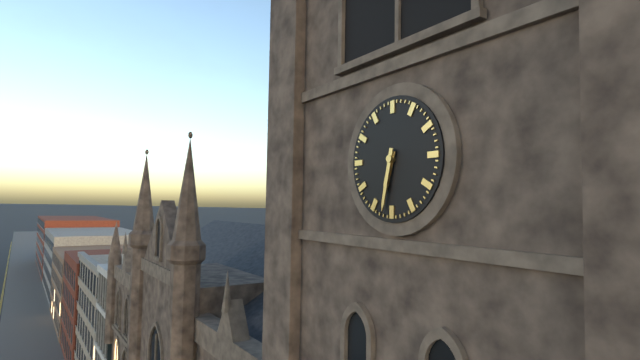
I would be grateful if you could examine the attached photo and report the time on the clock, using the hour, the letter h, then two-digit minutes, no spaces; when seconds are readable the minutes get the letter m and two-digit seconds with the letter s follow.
6h32
